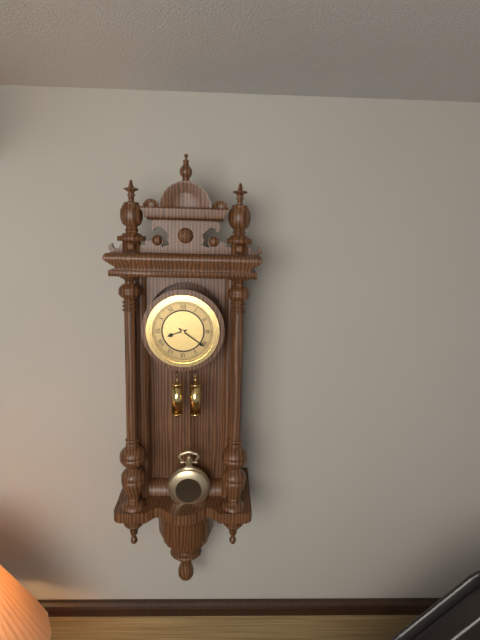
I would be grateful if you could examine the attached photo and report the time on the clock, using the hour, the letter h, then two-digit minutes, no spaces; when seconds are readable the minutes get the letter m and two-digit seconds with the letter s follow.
8h21
